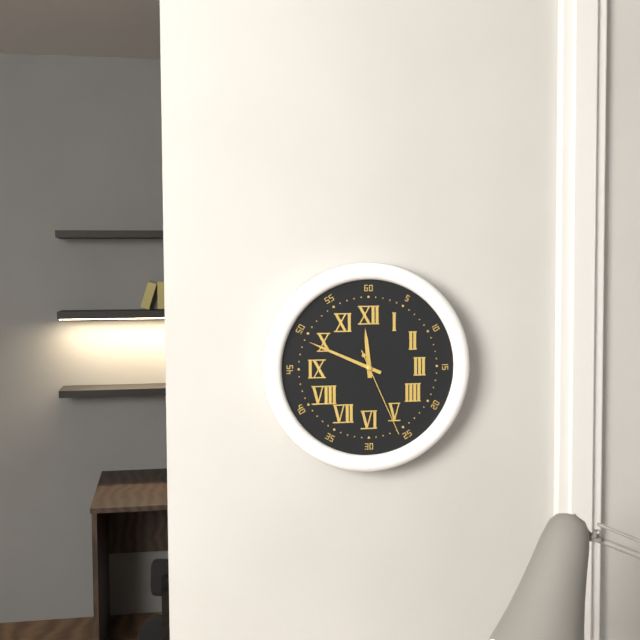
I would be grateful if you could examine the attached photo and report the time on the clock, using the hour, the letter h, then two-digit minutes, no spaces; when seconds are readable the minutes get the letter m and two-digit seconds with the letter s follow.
11h49m26s
